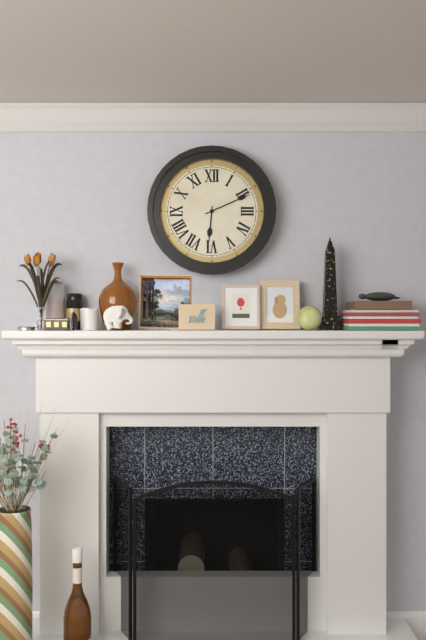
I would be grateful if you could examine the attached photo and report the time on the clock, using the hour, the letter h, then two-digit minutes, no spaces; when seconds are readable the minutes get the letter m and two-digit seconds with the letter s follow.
6h11
